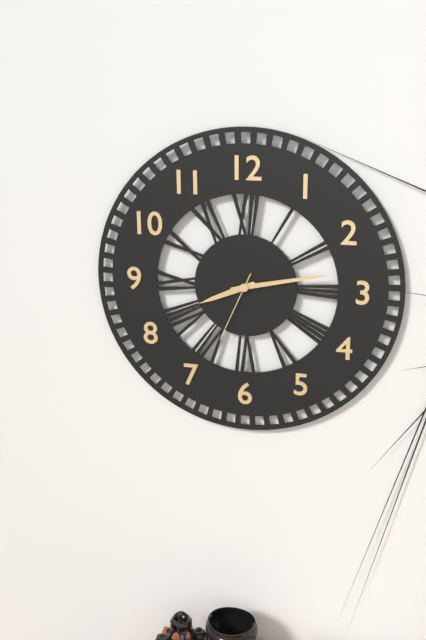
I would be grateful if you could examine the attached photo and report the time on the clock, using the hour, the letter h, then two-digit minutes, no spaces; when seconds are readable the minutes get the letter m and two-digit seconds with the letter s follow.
8h13m34s
